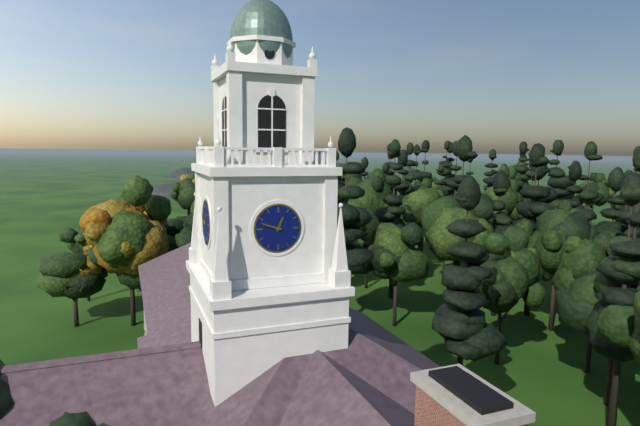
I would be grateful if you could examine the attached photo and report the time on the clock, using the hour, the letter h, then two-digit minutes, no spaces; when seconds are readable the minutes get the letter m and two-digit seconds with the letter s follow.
12h48
